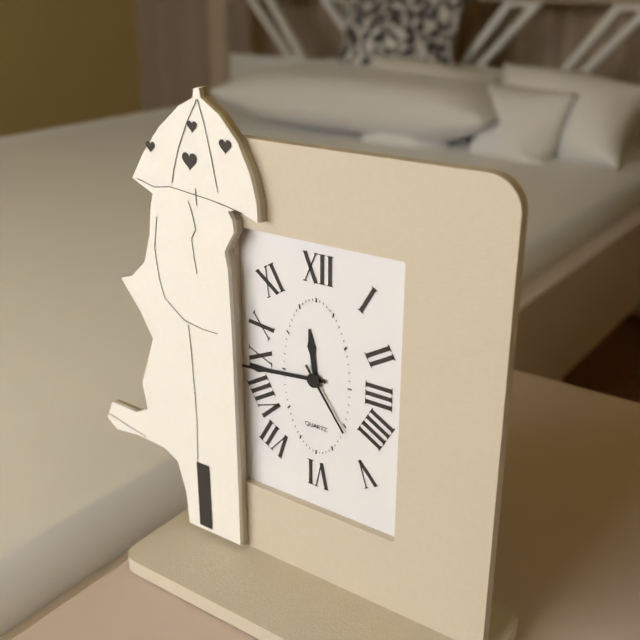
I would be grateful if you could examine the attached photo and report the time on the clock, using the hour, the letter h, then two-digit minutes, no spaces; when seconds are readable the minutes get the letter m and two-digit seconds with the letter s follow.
11h44m24s
